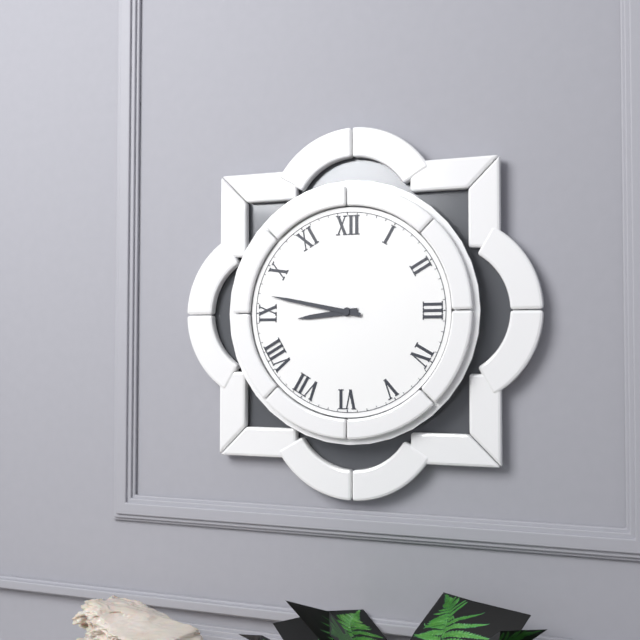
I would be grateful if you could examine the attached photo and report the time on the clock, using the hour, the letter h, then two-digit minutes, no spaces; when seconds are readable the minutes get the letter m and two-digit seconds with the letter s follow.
8h47
